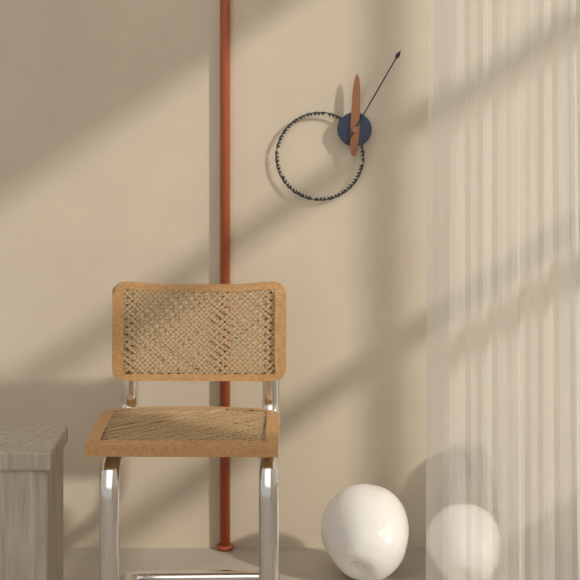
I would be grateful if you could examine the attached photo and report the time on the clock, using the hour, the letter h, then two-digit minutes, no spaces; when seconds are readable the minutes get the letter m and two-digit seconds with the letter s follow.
12h05
